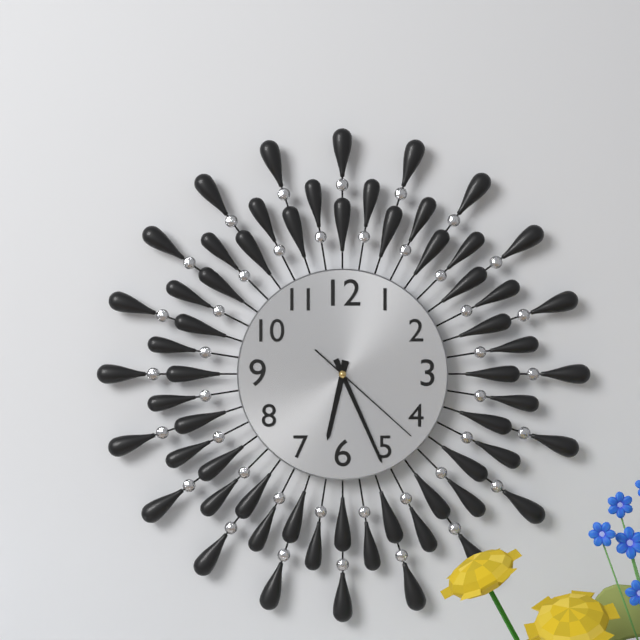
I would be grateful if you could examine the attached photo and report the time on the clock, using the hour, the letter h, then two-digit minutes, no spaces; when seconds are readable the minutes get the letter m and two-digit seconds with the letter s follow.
6h26m22s
